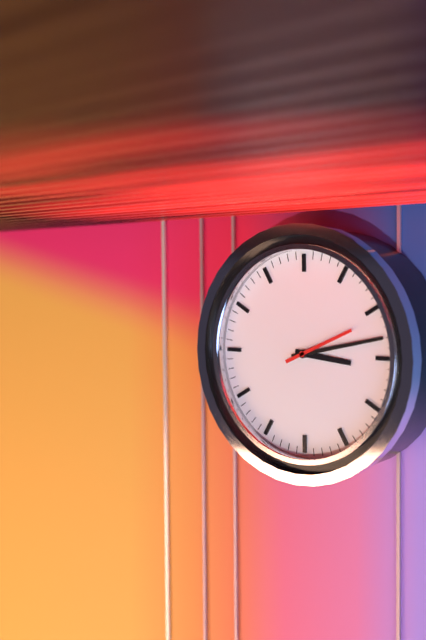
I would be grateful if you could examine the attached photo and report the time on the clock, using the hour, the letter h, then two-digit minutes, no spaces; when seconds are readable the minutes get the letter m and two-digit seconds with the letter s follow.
3h13m11s
